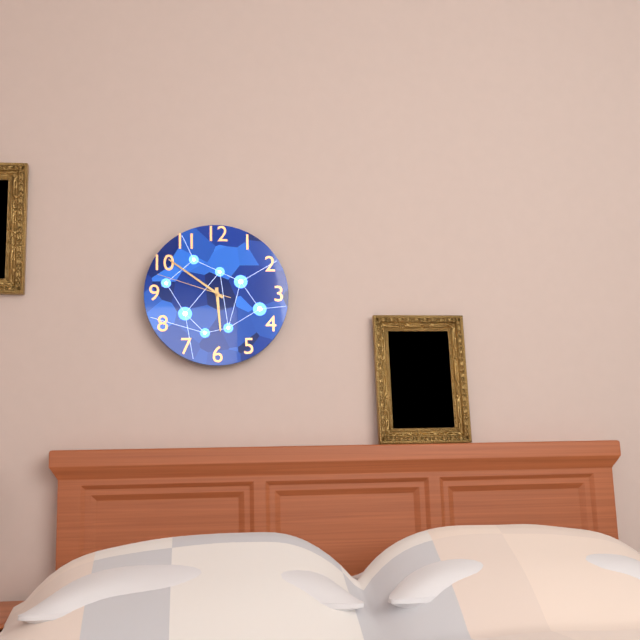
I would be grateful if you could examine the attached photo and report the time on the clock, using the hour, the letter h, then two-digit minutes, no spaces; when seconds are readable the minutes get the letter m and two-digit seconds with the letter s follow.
5h51m48s
